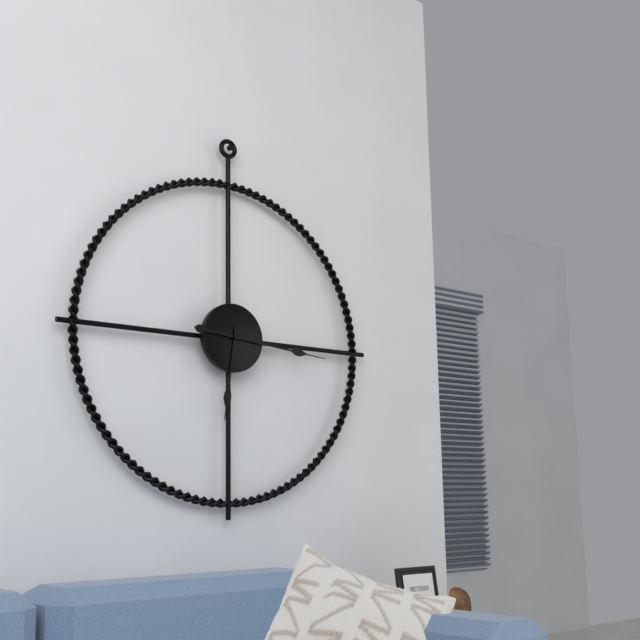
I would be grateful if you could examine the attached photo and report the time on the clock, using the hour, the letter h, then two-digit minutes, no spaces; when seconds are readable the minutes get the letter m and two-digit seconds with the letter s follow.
6h16
